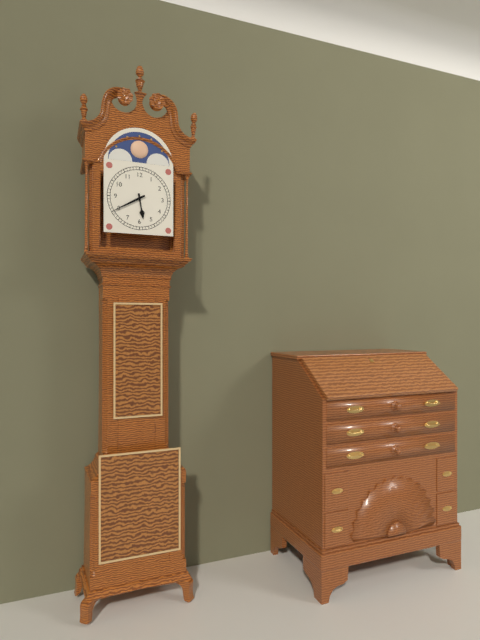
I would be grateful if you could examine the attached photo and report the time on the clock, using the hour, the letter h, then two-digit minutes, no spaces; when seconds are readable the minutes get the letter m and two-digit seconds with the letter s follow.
5h40
